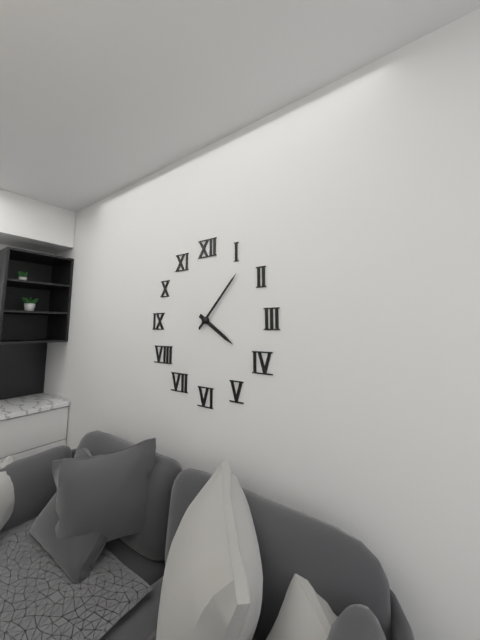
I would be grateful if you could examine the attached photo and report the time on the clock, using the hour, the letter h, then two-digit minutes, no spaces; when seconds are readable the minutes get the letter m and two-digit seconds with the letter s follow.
4h07
